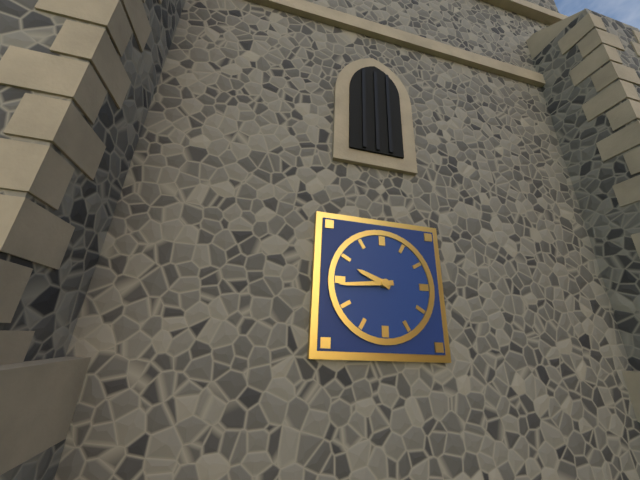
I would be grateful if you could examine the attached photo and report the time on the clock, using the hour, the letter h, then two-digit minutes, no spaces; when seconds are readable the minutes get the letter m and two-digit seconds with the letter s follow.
9h44
